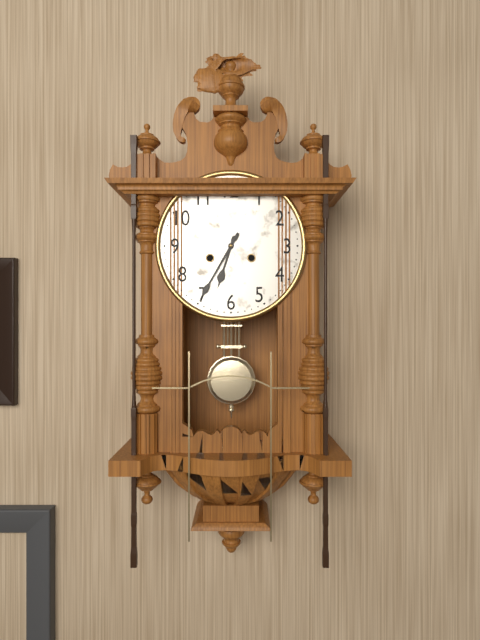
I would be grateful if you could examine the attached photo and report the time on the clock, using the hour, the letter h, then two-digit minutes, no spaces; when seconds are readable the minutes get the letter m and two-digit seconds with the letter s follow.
6h35
